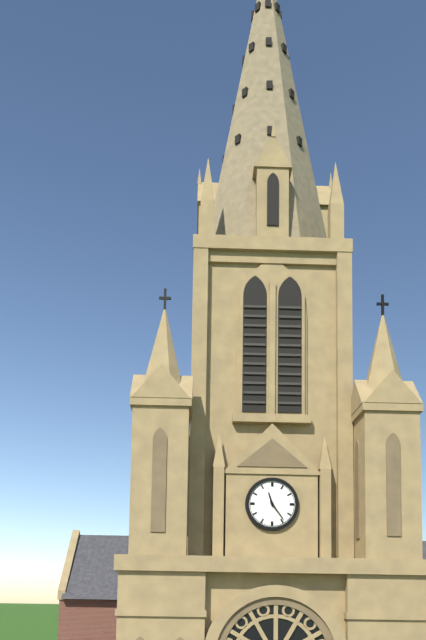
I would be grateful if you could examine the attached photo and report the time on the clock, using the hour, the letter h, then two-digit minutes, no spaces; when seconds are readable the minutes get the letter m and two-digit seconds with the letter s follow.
11h24
